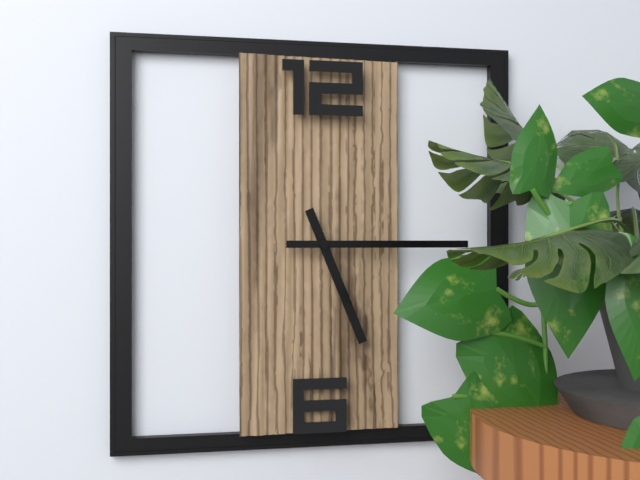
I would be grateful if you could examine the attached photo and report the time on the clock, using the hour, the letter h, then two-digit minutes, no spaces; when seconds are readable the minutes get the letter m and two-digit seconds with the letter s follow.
5h15
